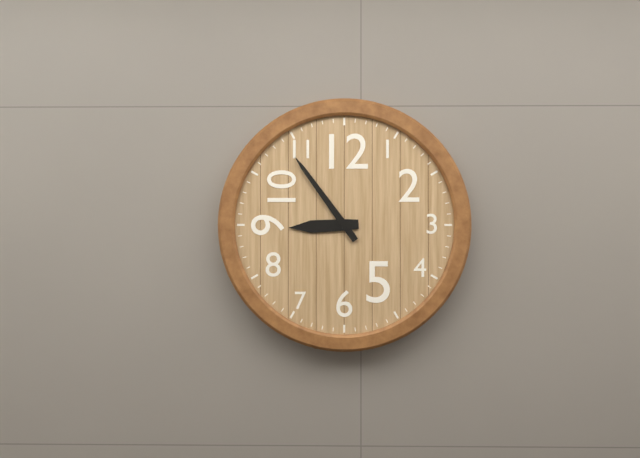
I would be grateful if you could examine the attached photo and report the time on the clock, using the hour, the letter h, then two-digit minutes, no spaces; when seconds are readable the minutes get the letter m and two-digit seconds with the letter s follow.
8h54
